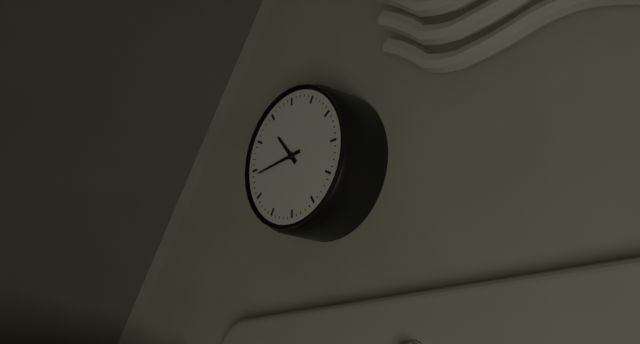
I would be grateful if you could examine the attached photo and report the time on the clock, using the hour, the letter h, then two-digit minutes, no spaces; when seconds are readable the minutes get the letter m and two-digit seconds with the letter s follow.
10h44
